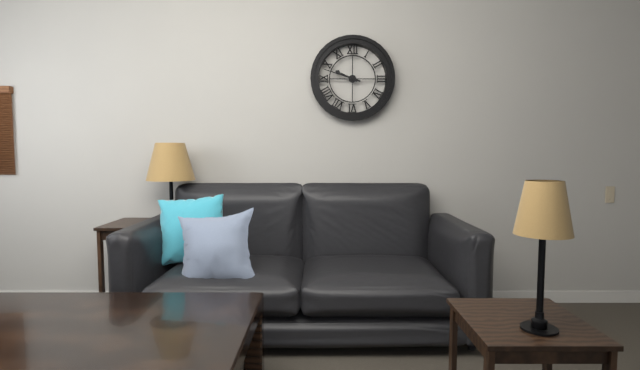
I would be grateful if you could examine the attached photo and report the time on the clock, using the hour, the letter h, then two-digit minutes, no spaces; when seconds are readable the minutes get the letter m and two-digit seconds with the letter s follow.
9h48
